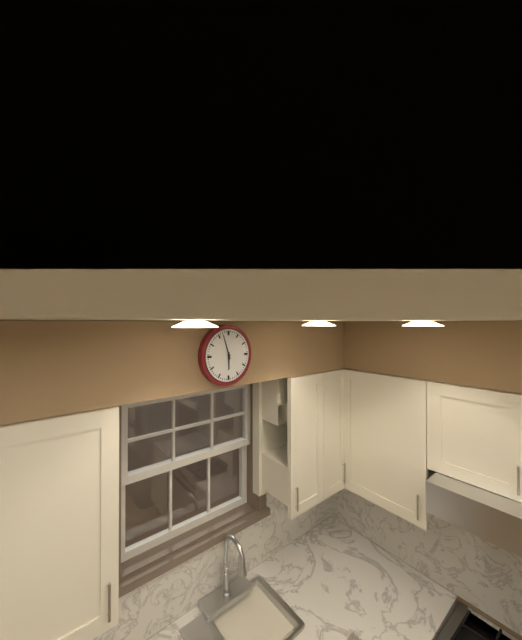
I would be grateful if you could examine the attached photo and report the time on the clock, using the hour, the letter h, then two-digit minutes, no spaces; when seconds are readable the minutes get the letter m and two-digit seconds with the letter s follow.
5h57
